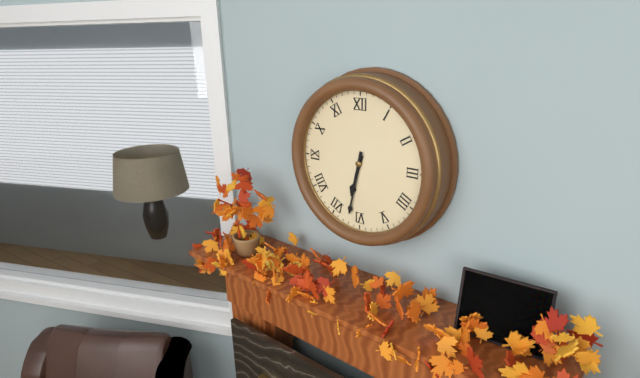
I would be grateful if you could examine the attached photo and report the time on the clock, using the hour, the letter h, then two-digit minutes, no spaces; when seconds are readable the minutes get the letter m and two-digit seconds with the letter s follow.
6h32
